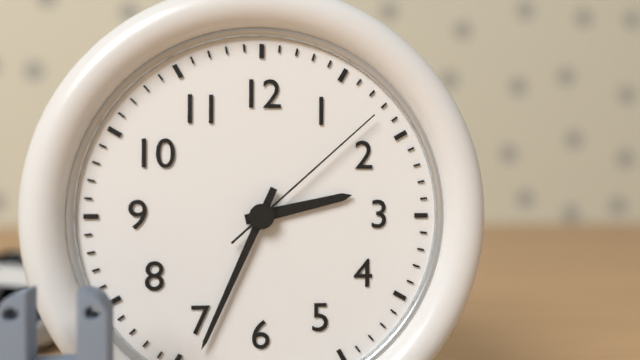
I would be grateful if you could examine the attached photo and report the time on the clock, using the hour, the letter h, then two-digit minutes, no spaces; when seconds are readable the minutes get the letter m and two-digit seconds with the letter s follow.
2h34m08s
